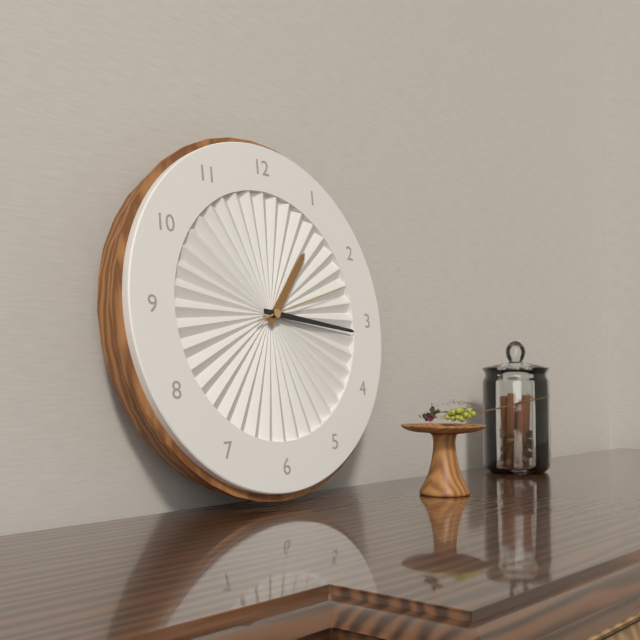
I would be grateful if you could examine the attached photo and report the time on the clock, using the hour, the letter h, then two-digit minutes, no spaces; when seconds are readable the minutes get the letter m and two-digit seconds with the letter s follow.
1h16m12s
